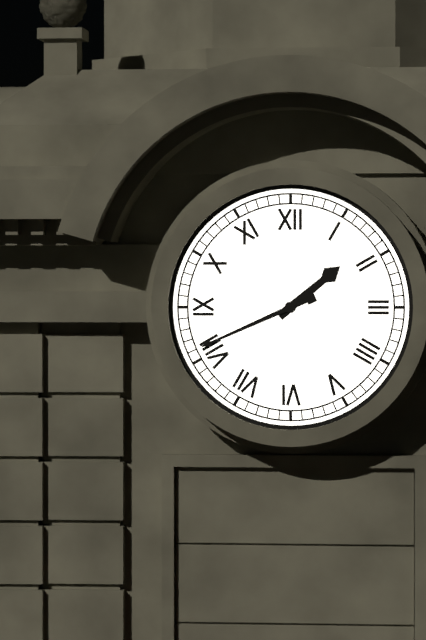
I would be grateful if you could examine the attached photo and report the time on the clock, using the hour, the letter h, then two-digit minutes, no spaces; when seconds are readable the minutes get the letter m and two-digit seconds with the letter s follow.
1h41
